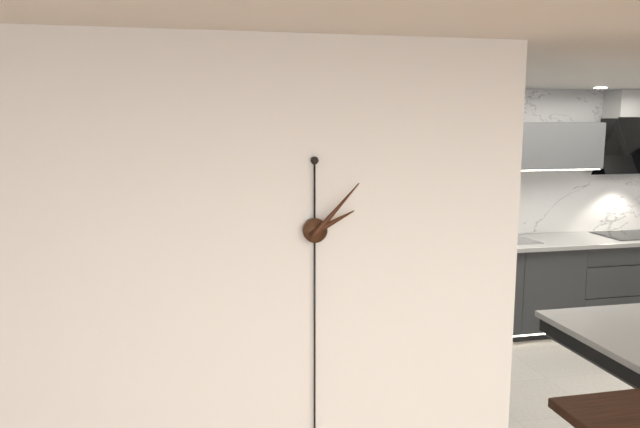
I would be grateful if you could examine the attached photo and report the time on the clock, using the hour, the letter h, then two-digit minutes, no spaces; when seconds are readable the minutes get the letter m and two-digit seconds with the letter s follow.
2h07
